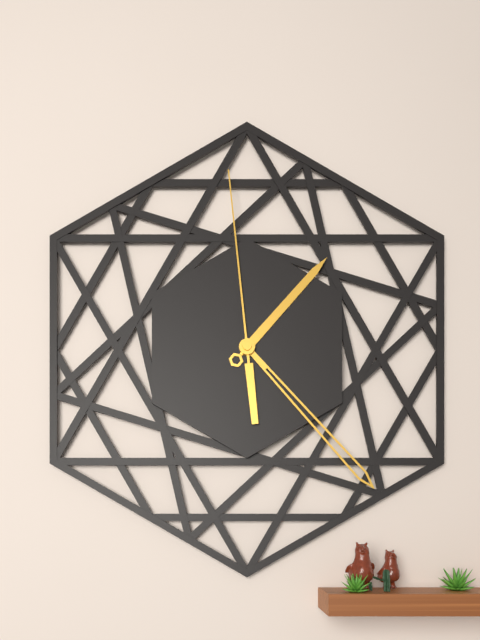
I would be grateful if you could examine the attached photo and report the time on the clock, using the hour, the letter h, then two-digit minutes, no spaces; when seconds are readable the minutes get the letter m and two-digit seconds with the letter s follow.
1h23m59s
